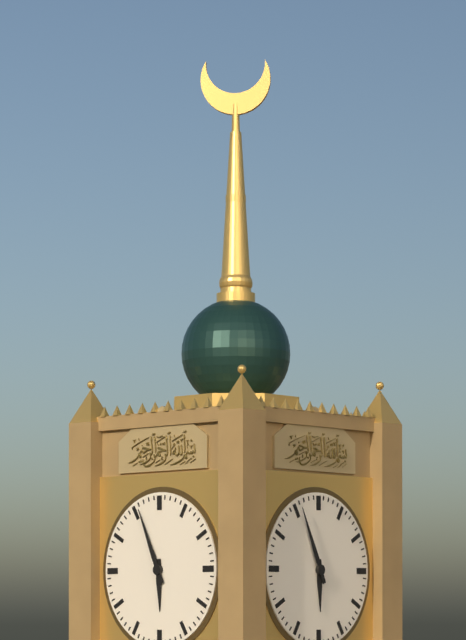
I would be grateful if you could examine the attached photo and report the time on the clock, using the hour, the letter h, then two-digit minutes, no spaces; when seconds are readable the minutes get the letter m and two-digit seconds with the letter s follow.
5h56
